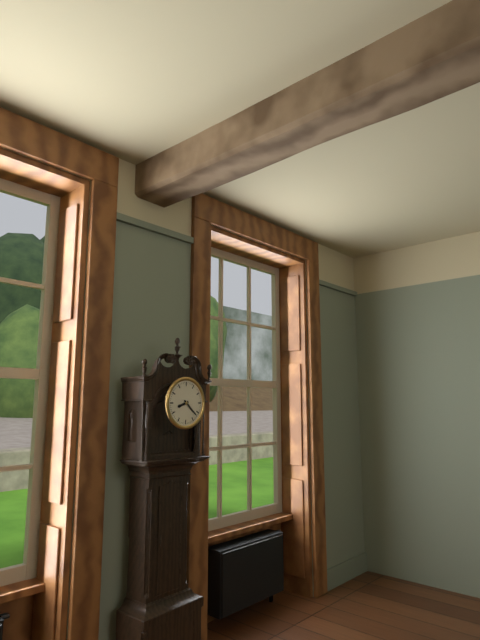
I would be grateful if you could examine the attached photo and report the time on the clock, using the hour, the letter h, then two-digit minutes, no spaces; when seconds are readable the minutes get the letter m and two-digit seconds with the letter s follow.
8h22
